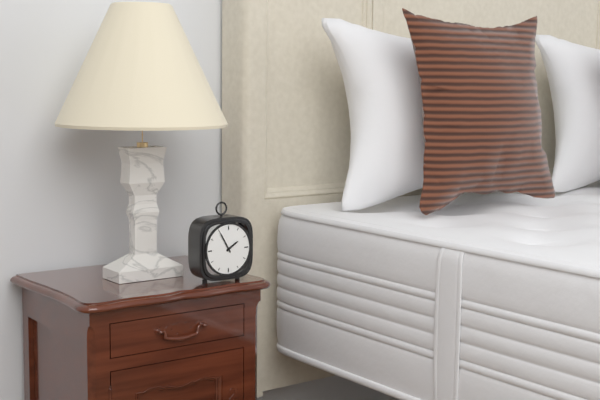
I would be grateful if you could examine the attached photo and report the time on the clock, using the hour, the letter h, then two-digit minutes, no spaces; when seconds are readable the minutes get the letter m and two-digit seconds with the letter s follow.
1h55
